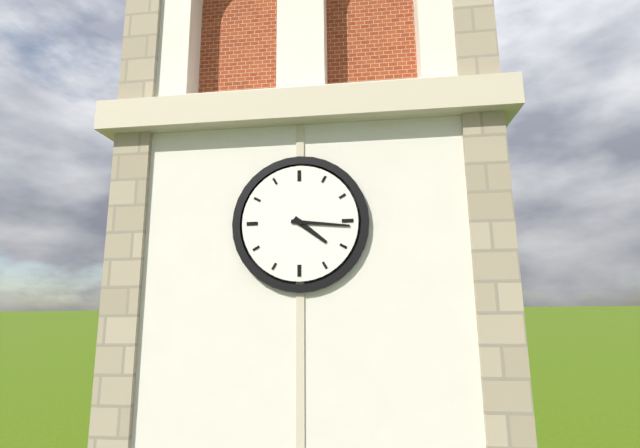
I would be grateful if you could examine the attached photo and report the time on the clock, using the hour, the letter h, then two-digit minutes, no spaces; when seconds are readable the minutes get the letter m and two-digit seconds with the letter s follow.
4h16
